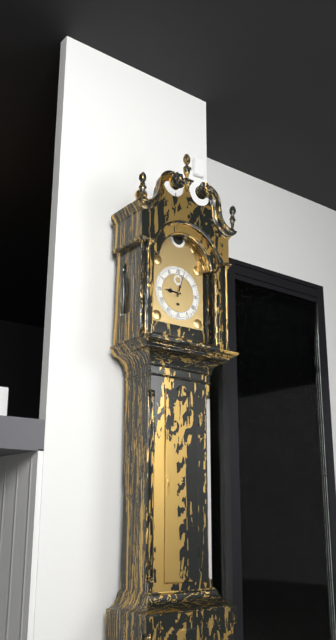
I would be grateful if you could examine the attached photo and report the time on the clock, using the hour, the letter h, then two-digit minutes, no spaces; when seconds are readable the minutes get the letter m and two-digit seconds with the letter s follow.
9h03
